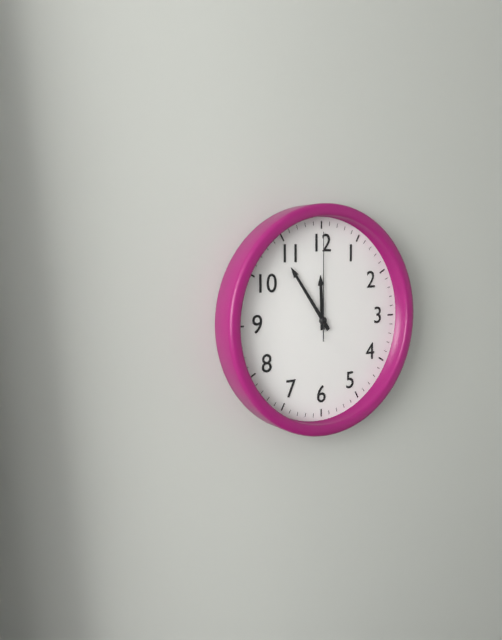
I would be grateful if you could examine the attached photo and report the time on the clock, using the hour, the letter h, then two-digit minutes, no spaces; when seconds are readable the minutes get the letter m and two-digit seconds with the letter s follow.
11h54m00s
